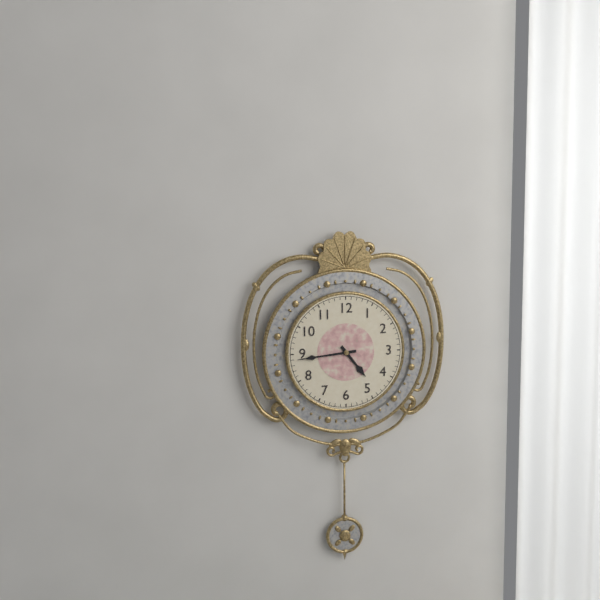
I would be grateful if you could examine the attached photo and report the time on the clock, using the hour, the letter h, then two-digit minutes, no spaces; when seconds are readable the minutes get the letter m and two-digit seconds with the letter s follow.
4h44
